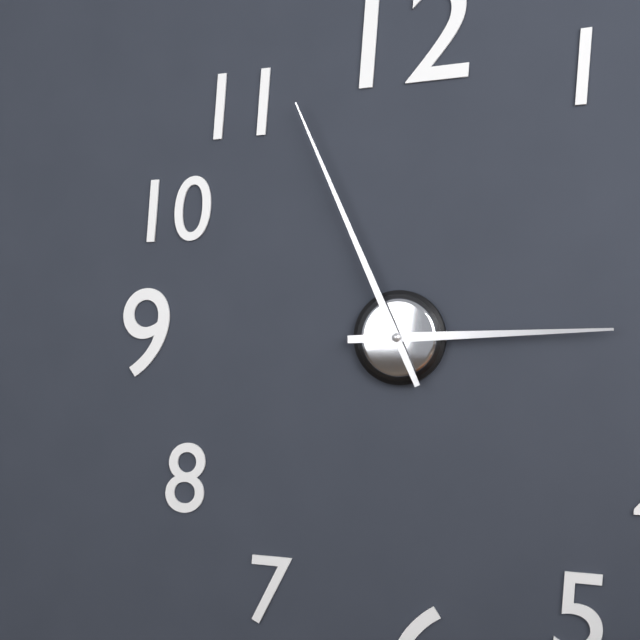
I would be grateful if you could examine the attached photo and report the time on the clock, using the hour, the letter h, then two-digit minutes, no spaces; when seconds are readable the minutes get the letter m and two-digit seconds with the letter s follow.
2h56
